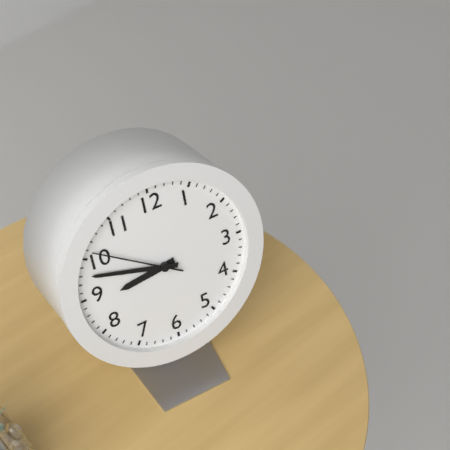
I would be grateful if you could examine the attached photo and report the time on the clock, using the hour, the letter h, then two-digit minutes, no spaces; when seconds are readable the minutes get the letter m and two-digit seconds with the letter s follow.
8h48m51s
